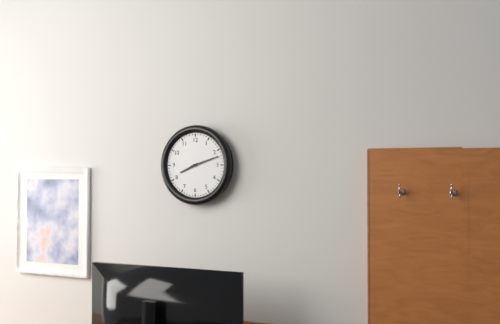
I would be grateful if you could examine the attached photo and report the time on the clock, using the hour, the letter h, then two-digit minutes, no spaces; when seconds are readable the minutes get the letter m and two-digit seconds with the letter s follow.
8h12
